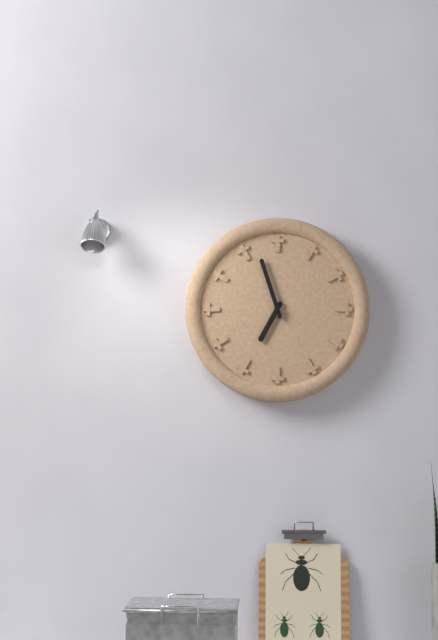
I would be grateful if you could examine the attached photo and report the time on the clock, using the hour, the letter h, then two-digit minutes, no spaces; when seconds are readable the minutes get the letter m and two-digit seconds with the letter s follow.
6h57
